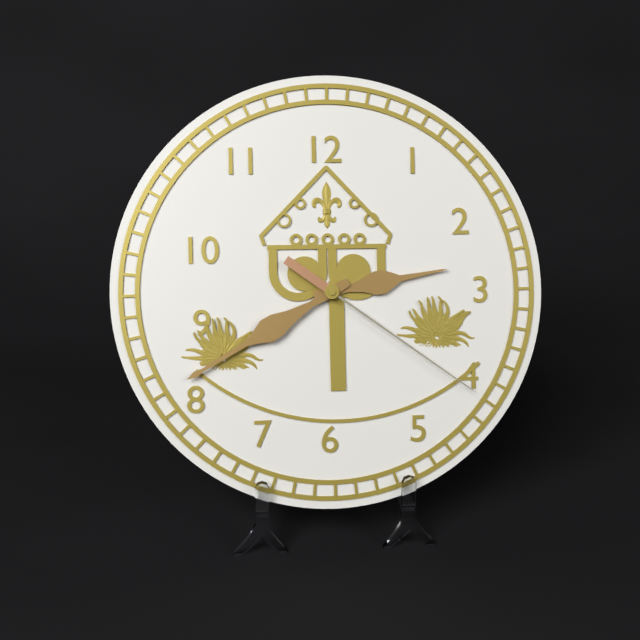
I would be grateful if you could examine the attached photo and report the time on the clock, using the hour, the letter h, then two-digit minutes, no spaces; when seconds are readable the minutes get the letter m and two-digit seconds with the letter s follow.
2h40m21s
